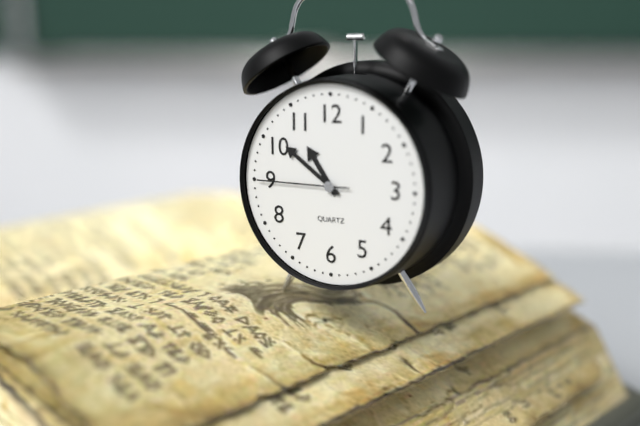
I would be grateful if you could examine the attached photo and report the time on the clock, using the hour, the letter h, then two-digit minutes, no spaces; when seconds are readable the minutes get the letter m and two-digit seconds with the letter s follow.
10h51m45s
